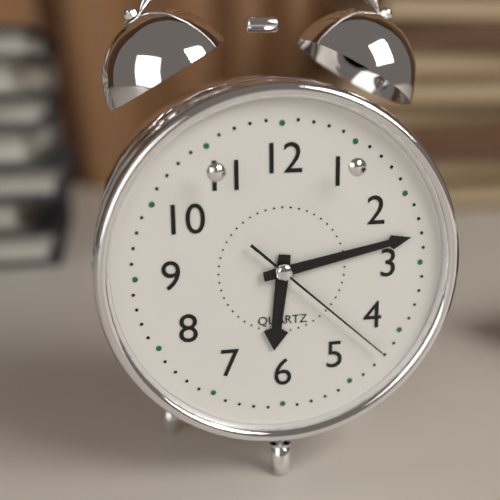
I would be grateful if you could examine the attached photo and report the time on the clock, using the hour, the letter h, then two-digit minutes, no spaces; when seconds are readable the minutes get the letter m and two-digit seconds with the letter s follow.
6h13m22s
